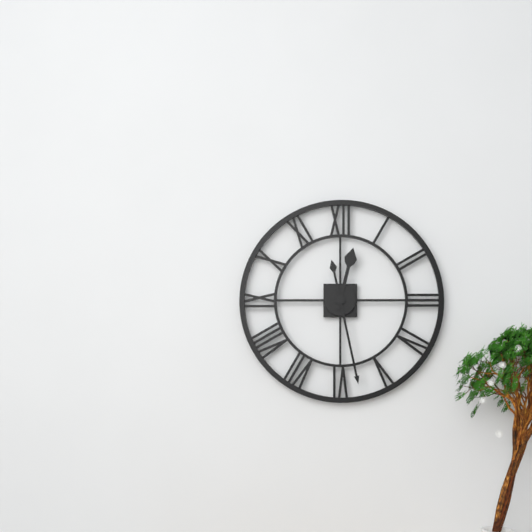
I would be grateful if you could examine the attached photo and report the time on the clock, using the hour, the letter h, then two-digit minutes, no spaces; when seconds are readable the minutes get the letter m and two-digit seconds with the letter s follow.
12h28
